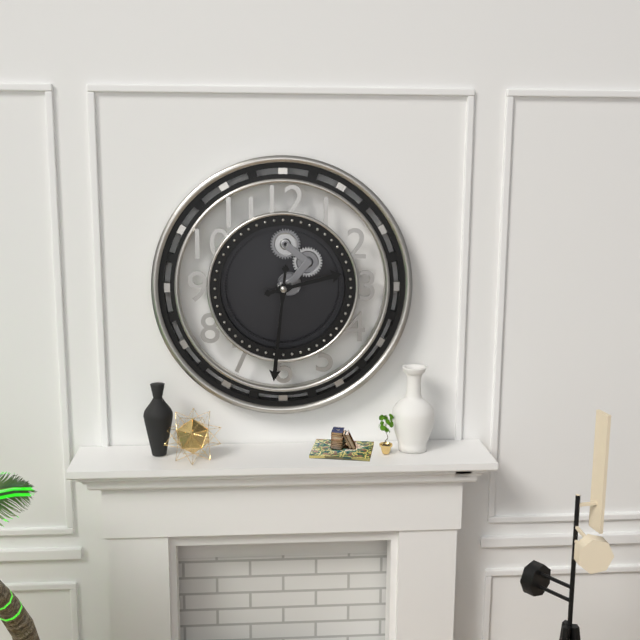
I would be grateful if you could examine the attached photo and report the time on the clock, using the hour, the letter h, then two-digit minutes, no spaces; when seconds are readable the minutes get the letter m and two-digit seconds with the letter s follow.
2h31
